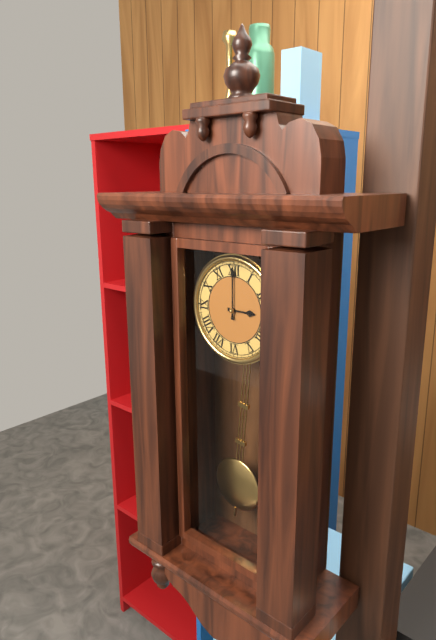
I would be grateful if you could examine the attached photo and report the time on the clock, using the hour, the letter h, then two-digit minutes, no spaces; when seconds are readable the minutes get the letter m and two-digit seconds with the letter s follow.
3h00
